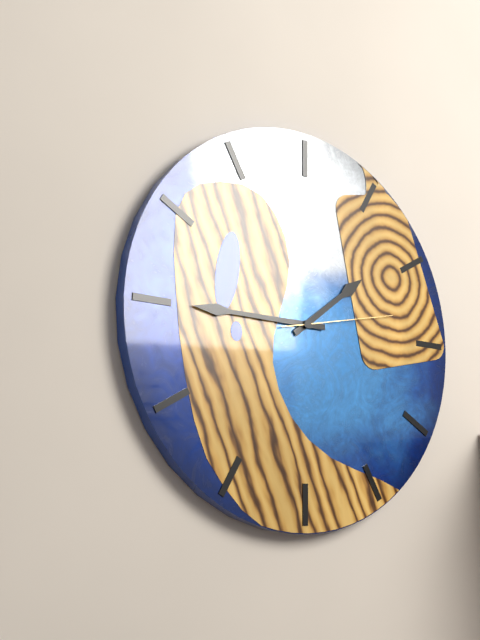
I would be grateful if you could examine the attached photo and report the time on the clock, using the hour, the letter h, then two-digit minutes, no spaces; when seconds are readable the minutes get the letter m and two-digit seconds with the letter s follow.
1h45m13s
